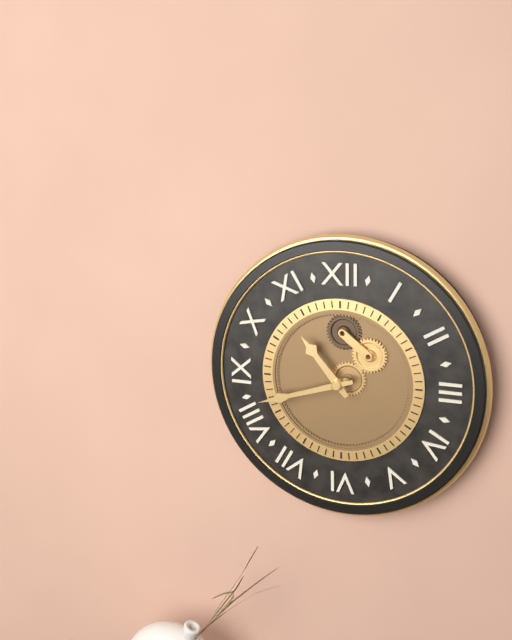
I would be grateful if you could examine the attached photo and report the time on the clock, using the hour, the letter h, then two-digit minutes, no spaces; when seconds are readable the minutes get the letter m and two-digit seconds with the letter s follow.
10h42
